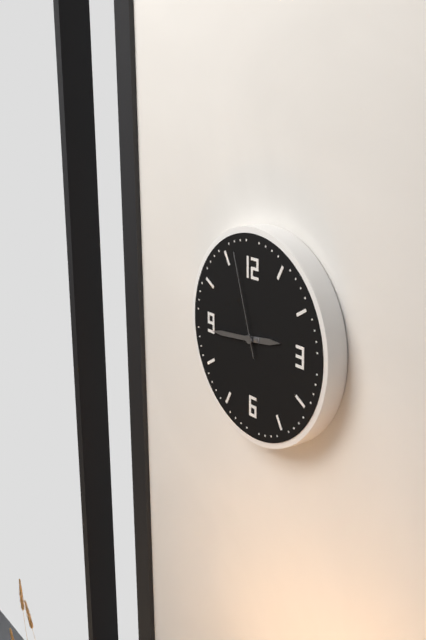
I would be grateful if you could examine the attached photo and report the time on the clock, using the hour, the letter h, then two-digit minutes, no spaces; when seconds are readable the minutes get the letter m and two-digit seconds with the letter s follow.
2h44m57s
